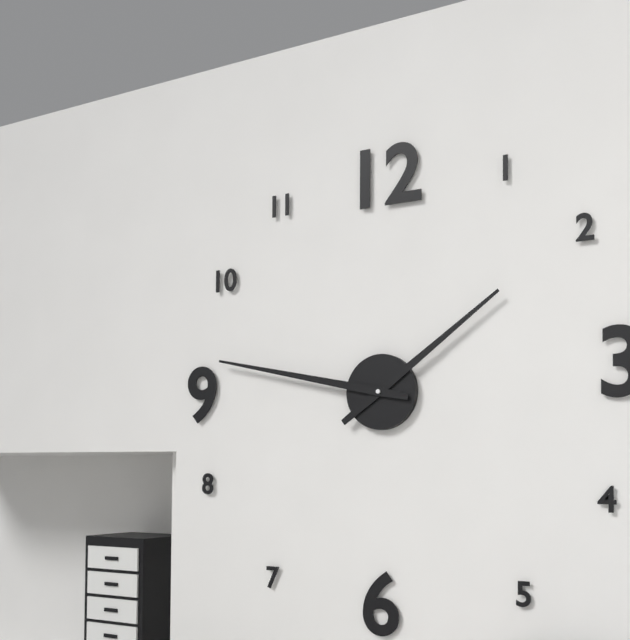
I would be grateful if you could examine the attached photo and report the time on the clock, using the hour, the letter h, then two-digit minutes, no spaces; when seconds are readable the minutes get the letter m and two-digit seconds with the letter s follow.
1h47
